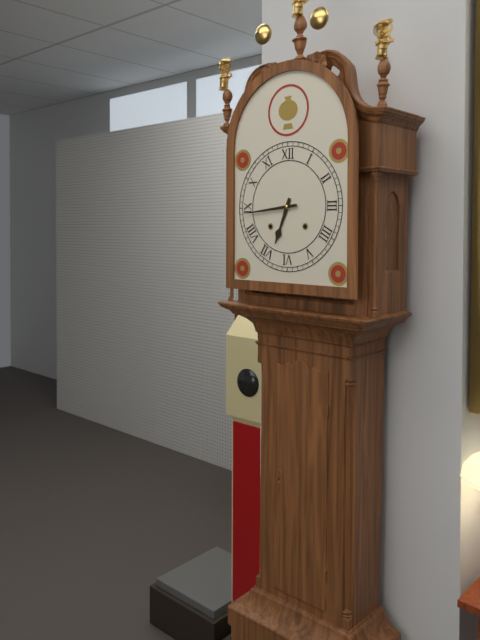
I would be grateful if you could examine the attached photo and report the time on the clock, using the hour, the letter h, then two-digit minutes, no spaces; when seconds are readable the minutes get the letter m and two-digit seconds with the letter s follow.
6h44
